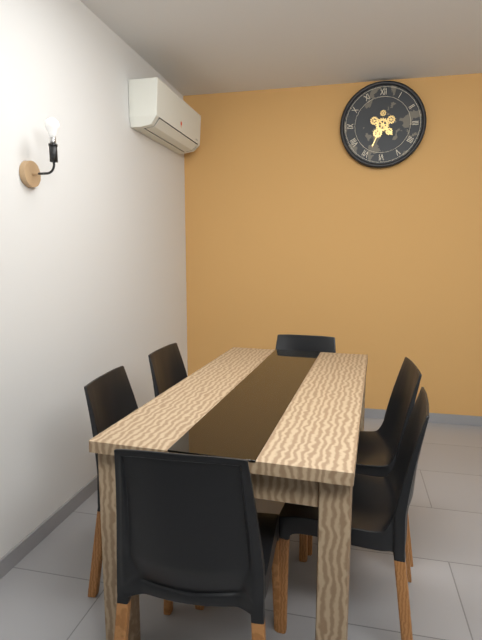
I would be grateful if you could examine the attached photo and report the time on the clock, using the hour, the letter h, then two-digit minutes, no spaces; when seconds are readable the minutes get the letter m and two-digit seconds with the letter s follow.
4h34
